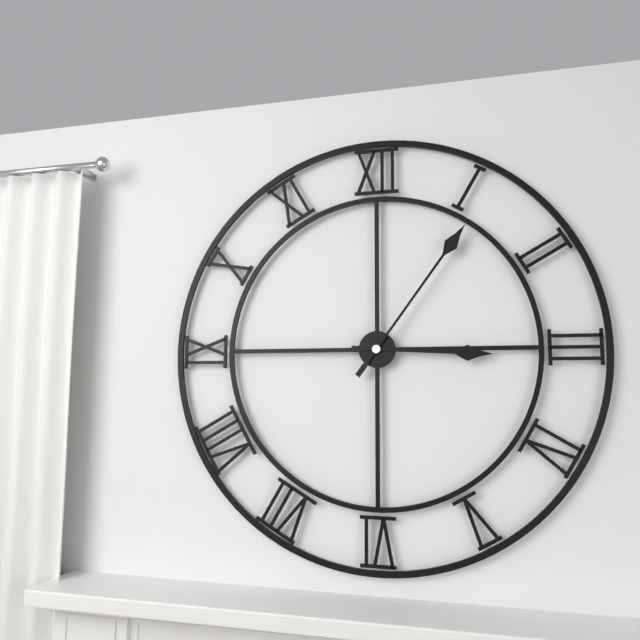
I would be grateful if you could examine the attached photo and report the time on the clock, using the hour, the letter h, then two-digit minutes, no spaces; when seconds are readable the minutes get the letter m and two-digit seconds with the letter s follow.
3h06
